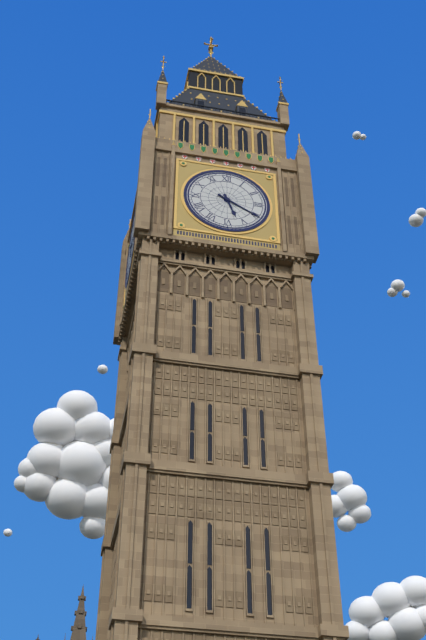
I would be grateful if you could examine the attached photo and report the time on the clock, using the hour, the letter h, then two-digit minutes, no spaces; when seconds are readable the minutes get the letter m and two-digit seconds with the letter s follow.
5h20
